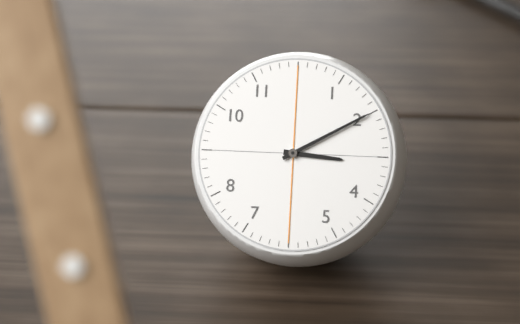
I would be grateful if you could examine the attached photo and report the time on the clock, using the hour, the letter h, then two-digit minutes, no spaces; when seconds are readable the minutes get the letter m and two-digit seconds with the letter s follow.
3h10
